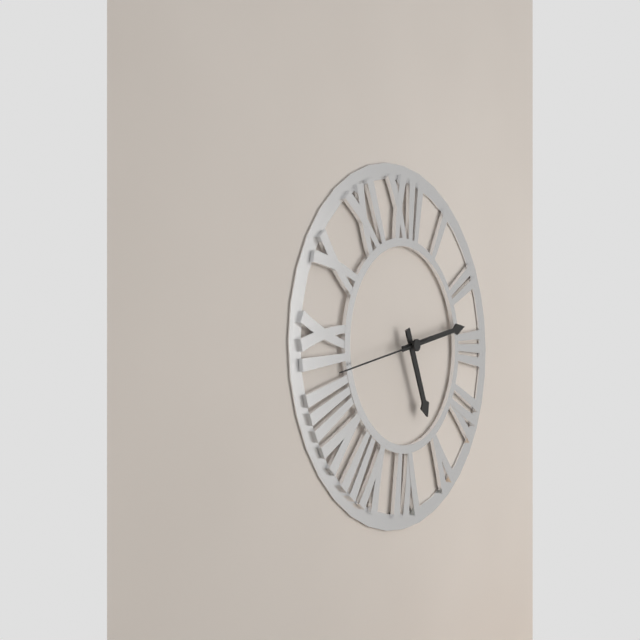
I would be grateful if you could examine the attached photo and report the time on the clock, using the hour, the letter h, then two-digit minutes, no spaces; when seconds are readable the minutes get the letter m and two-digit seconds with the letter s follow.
5h13m43s
